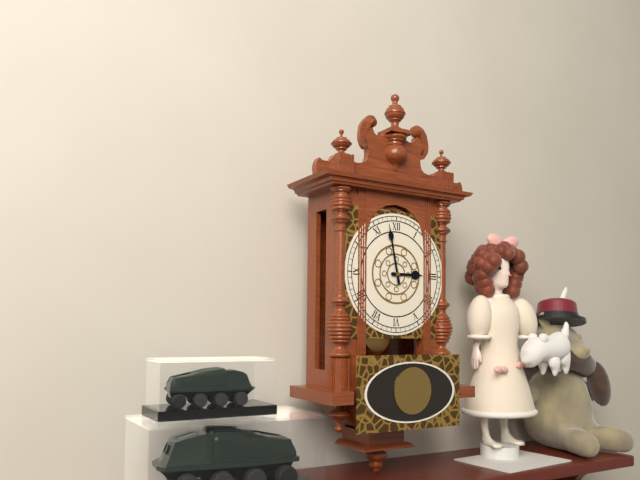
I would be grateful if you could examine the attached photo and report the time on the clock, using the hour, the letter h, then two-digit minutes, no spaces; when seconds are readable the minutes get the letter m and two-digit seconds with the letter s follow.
2h58
